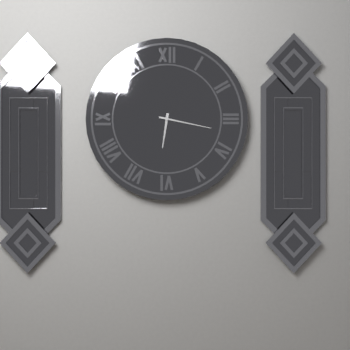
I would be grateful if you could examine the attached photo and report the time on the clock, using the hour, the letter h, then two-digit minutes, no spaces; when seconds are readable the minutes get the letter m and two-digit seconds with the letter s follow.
6h17
